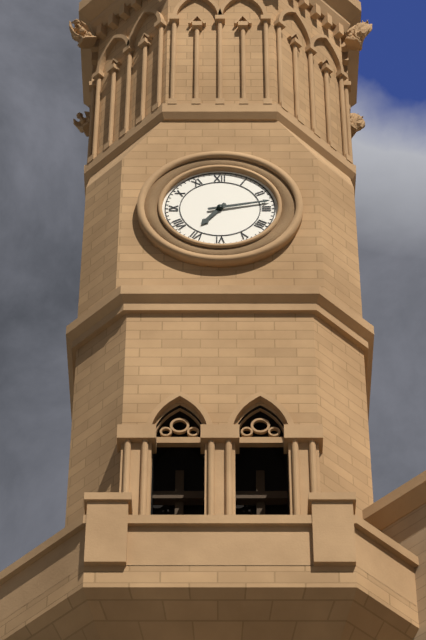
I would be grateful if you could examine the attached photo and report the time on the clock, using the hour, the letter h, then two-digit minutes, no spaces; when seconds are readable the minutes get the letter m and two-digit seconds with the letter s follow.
7h13
